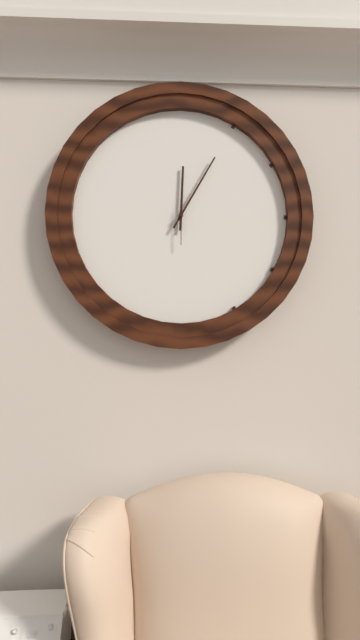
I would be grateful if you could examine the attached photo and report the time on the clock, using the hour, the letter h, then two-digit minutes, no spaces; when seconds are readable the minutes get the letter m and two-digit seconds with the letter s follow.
12h05
